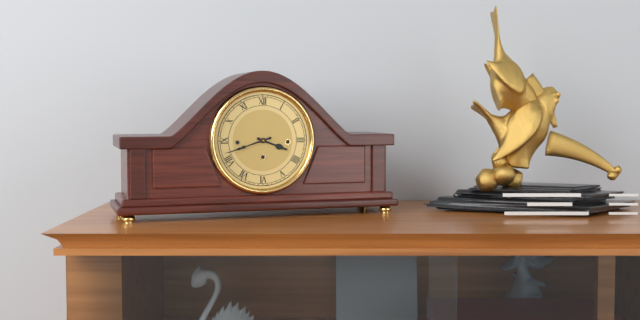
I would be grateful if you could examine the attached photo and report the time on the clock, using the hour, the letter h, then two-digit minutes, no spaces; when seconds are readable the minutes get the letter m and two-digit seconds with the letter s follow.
3h42
